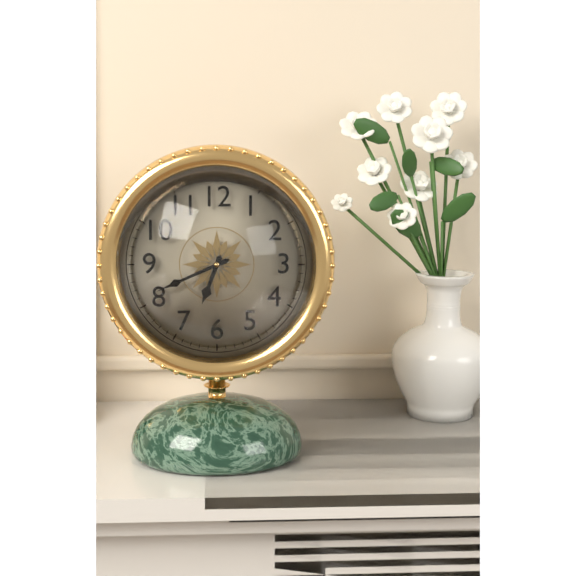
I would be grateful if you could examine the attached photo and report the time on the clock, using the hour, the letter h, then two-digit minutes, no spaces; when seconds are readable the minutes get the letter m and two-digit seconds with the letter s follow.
6h41
